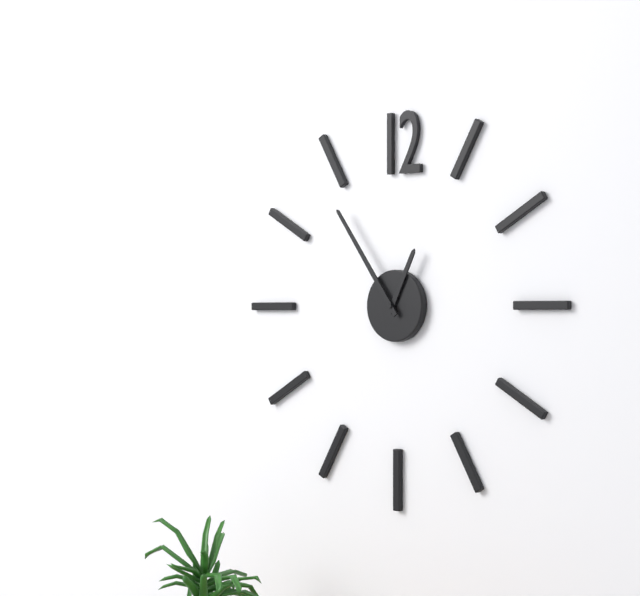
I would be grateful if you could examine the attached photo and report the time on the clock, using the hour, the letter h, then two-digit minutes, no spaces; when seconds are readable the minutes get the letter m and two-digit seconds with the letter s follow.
12h54
